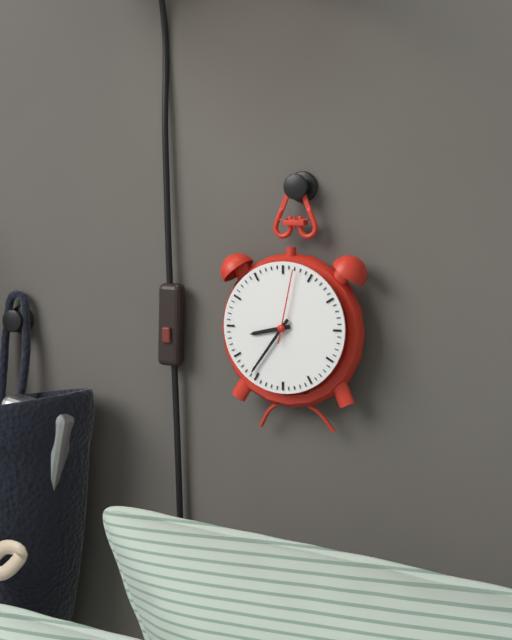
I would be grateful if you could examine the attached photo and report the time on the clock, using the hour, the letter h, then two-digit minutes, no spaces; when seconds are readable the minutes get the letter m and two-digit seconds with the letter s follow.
8h36m02s
